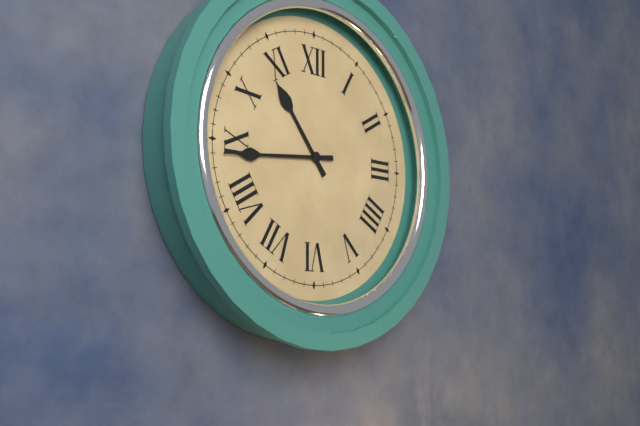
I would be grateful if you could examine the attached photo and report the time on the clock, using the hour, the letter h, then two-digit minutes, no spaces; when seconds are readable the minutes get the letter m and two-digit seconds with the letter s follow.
10h44
